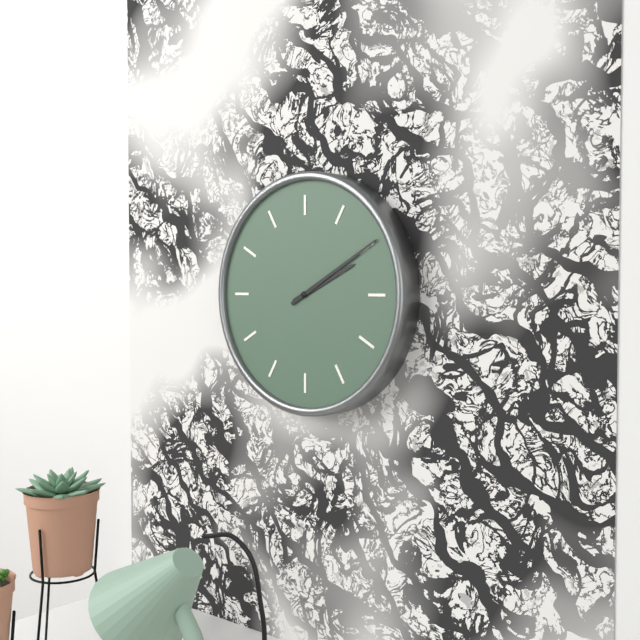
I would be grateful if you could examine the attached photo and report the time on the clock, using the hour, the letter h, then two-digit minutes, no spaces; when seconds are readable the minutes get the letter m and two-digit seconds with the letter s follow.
2h10
